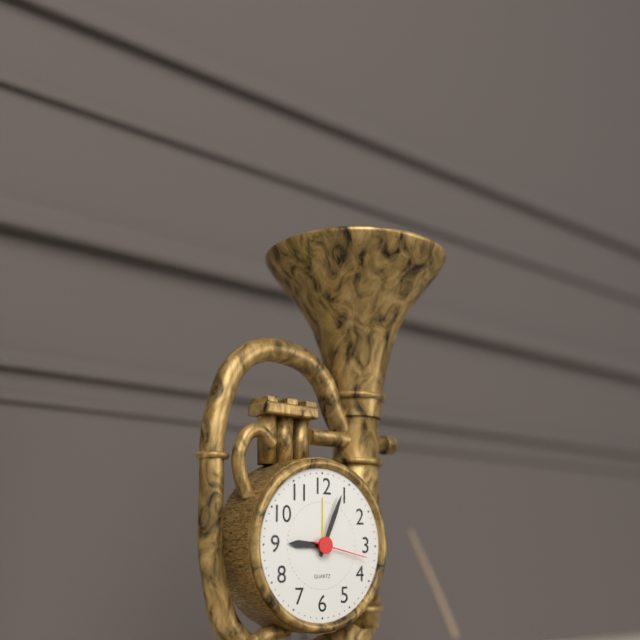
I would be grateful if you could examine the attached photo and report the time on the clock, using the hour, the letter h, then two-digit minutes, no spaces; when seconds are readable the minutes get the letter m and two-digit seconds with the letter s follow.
9h04m17s
